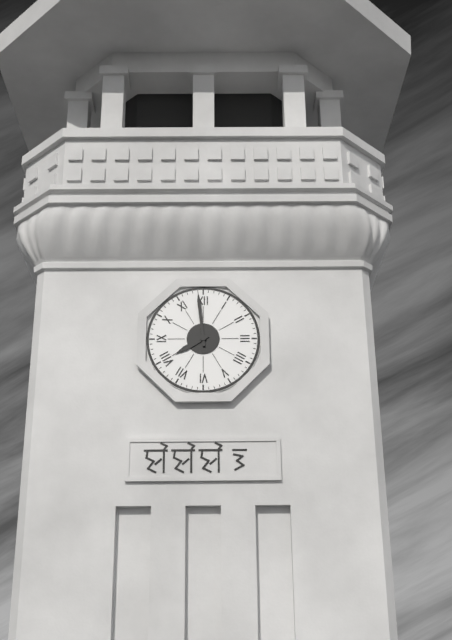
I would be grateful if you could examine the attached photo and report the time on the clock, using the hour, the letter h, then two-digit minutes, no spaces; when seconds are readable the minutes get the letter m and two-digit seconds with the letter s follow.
7h59
